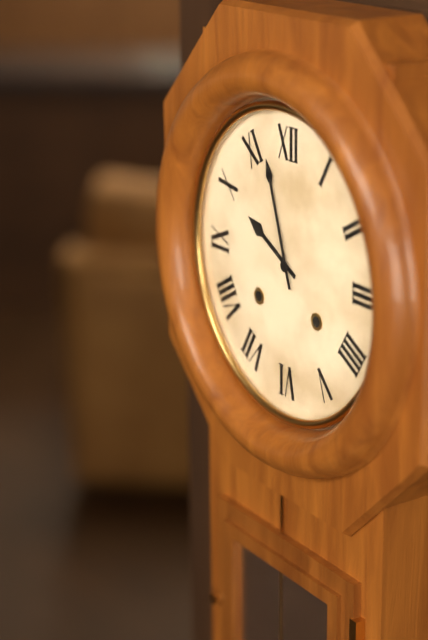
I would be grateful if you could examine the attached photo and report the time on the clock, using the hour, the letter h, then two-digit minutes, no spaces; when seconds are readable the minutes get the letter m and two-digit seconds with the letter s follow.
9h57
